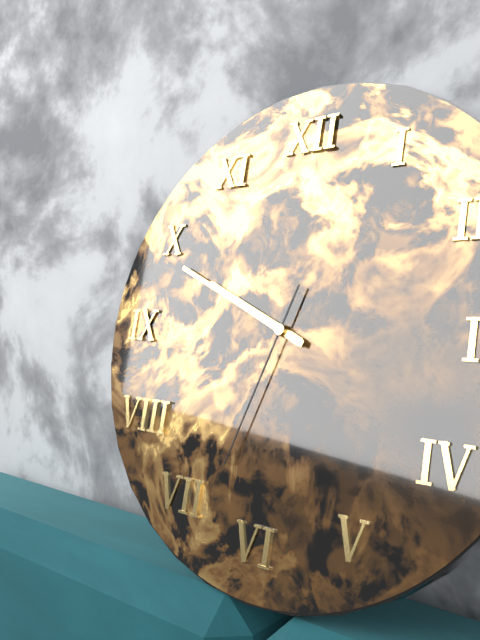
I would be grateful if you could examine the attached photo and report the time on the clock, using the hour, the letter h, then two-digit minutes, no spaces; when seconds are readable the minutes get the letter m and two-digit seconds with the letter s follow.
9h49m33s
